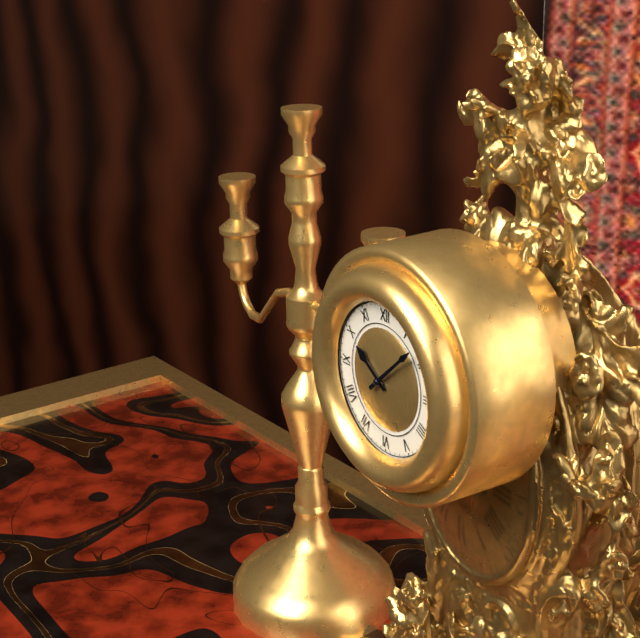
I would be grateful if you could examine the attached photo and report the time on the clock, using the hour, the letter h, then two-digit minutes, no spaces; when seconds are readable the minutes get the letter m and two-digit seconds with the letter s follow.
10h08
